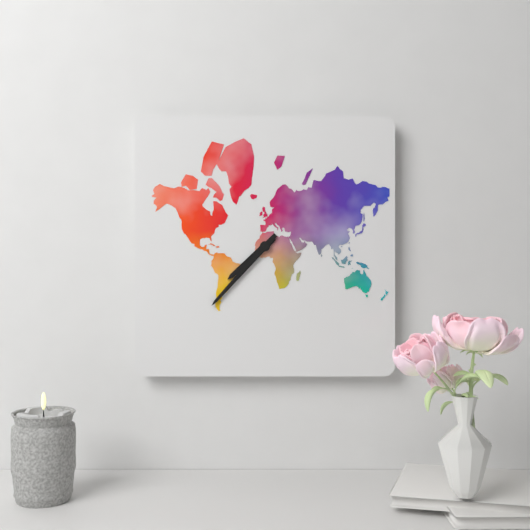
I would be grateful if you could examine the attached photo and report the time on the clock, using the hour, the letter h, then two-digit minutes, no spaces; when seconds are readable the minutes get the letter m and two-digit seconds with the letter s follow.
7h37
